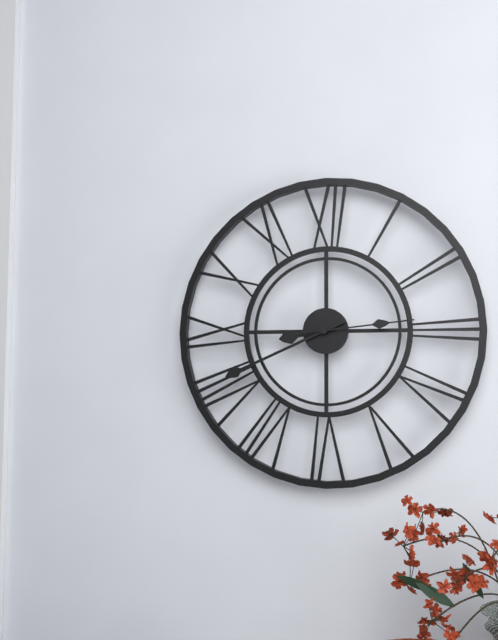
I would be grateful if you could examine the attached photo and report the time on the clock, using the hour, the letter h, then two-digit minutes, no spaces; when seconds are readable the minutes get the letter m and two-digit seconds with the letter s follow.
8h41m14s
